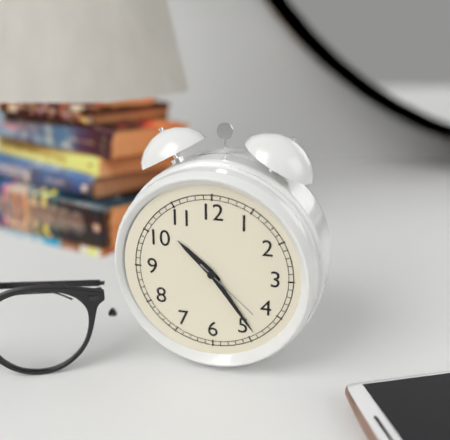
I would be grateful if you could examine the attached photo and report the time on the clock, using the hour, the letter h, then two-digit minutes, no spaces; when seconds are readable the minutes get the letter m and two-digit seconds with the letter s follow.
10h24m22s
